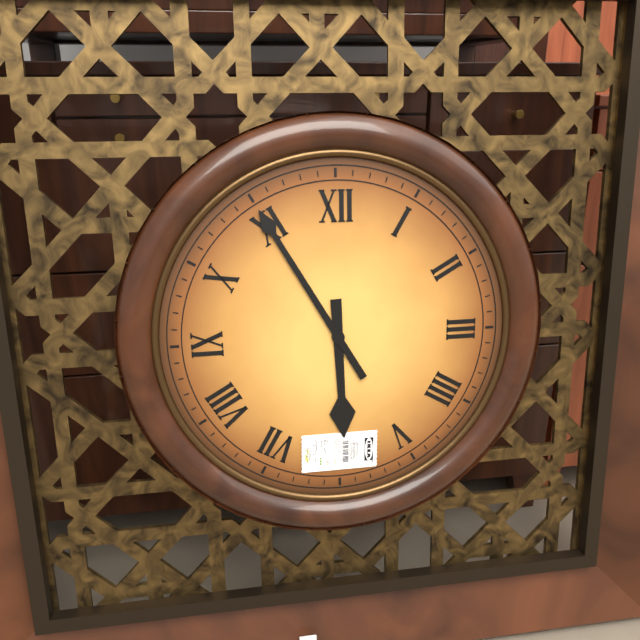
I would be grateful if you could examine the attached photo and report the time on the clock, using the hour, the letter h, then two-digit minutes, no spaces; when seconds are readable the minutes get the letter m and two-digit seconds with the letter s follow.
5h55
